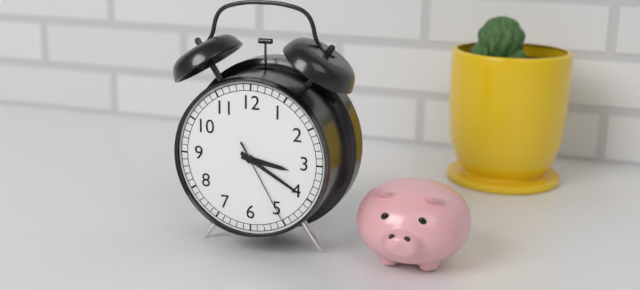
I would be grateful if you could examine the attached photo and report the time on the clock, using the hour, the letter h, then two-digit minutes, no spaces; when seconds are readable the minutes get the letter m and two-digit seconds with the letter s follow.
3h20m25s
